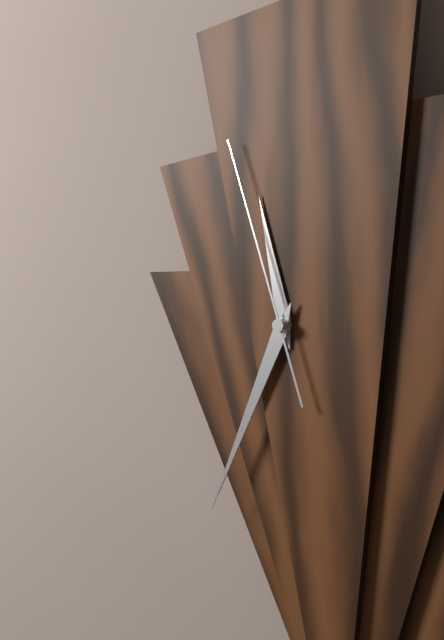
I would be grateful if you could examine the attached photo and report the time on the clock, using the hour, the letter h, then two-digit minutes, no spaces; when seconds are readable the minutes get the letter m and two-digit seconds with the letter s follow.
11h34m57s
